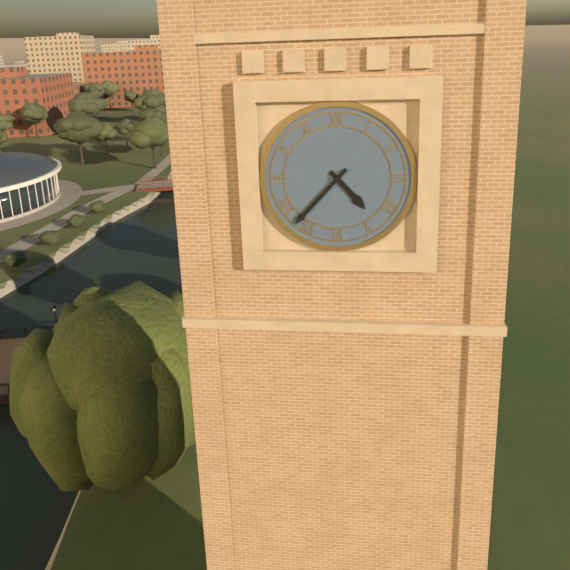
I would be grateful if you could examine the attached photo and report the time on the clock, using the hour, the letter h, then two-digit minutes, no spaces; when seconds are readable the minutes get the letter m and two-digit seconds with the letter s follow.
4h37
